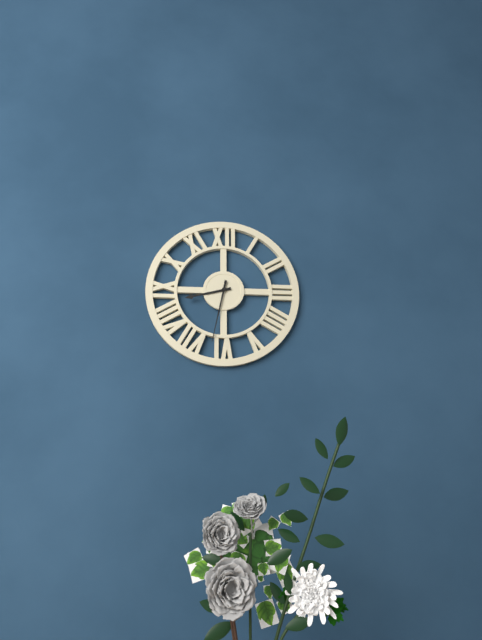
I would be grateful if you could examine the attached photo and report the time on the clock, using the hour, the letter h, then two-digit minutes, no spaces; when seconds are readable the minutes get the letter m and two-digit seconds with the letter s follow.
8h32
